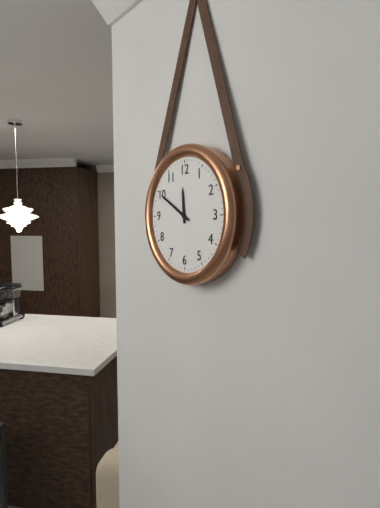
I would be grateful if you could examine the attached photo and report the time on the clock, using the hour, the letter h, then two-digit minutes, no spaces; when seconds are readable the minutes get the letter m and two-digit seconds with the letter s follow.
11h50
